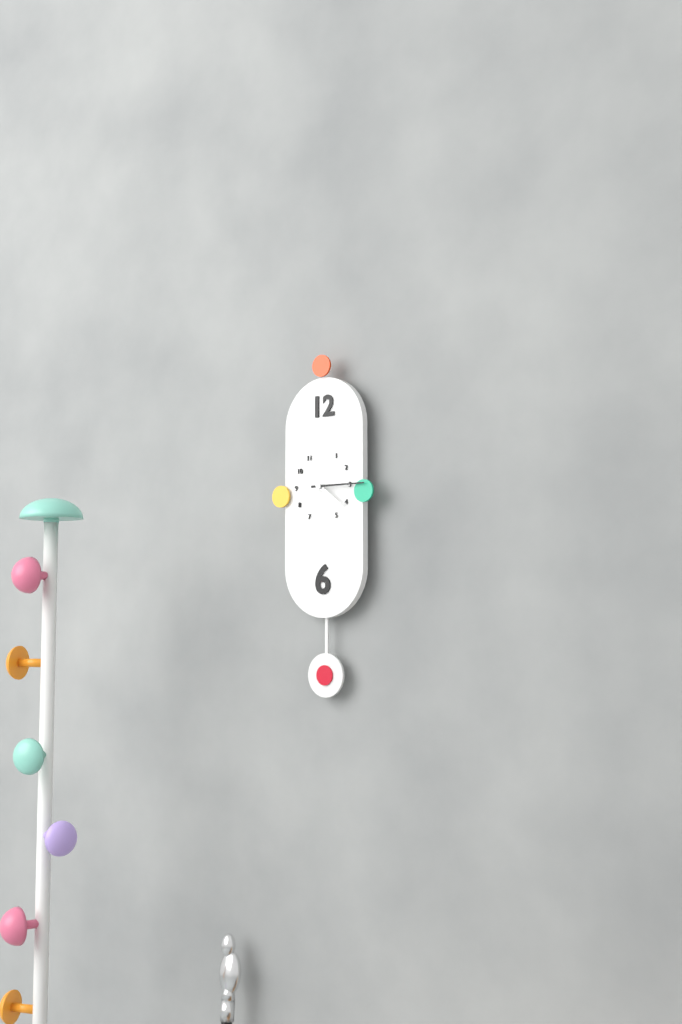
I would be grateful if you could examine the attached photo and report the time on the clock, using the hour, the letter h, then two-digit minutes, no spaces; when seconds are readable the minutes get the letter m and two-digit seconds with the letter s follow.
4h15
